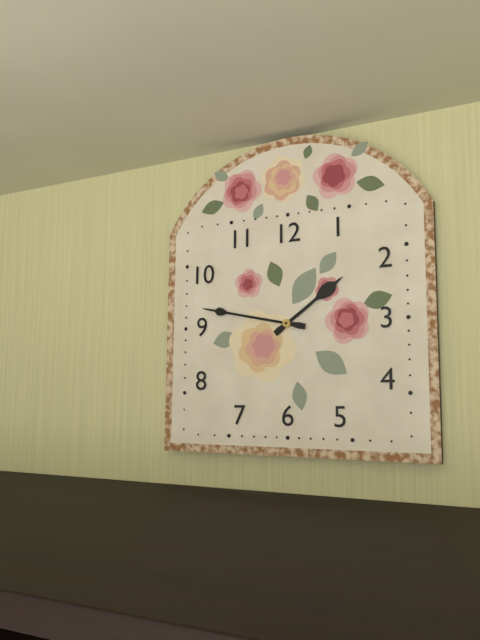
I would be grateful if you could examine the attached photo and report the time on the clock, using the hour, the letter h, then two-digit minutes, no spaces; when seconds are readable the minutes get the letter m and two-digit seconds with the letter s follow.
1h47
